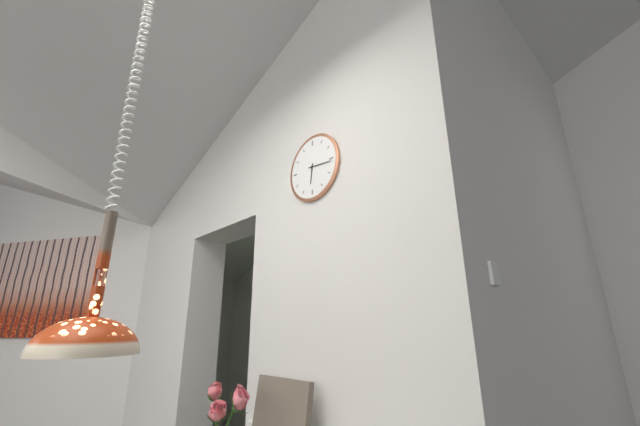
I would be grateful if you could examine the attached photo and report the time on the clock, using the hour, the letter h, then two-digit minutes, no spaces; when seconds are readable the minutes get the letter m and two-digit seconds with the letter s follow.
6h16
